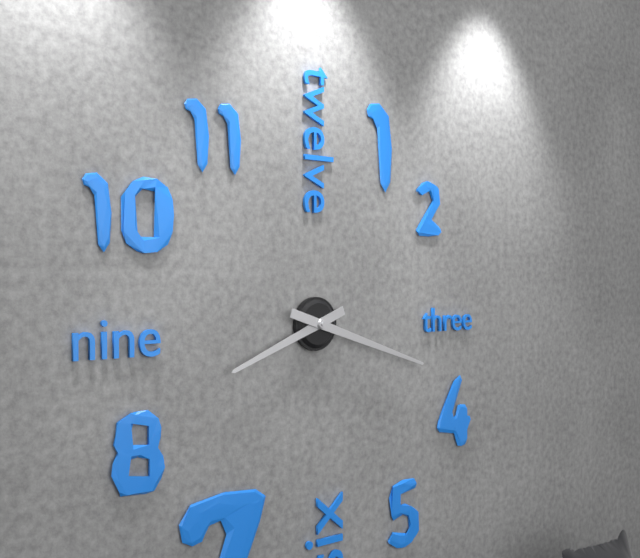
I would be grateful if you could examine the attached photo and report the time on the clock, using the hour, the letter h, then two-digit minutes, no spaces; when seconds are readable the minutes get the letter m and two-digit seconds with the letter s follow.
8h18
